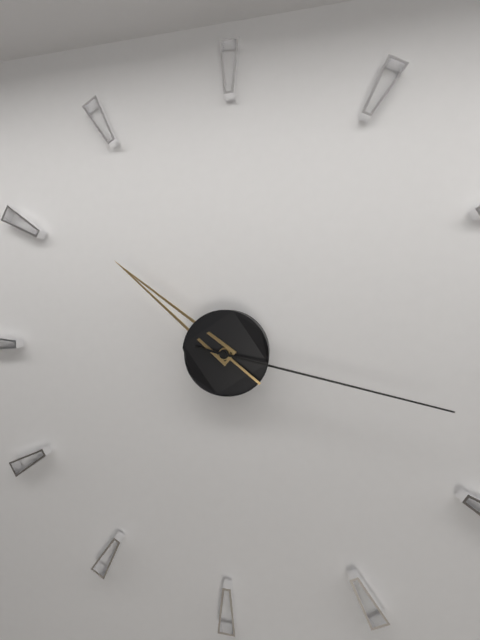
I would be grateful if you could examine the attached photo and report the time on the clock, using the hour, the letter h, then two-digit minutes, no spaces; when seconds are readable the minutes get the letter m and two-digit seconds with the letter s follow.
10h17
